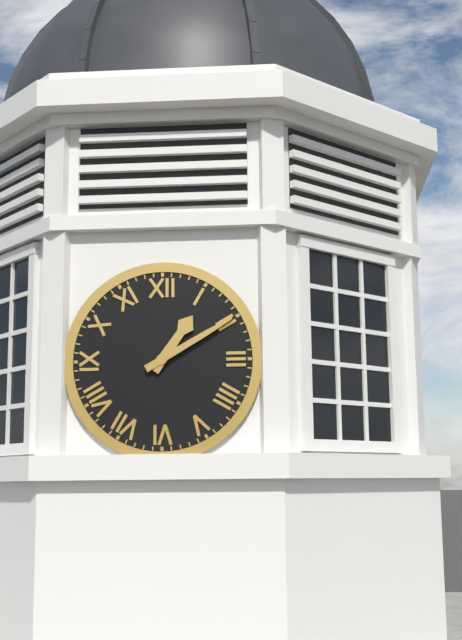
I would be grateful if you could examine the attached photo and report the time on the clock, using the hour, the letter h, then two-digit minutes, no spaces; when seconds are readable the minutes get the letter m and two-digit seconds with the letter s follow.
1h10
